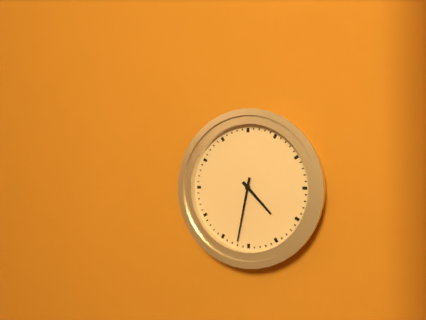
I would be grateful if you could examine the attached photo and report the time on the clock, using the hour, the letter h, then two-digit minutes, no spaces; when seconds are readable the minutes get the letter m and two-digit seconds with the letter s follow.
4h32
